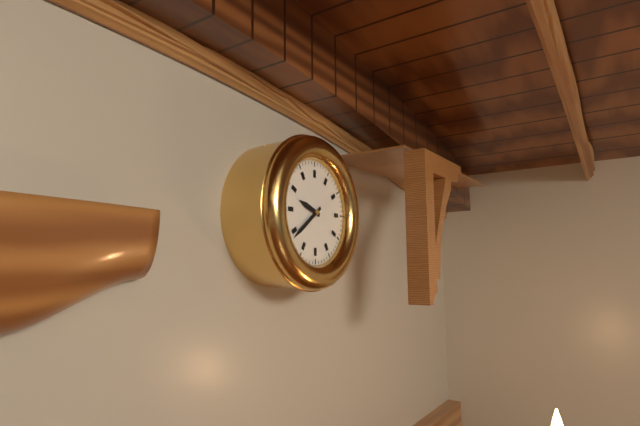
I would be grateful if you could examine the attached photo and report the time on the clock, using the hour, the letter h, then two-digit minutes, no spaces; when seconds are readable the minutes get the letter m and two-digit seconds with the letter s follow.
9h39
